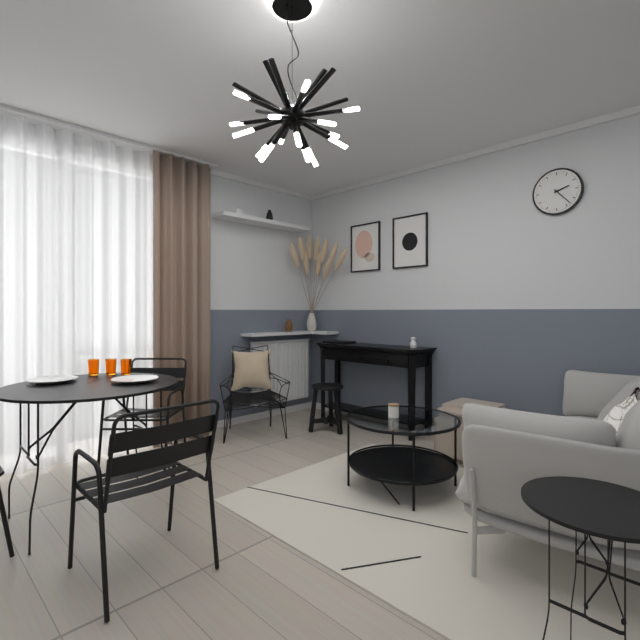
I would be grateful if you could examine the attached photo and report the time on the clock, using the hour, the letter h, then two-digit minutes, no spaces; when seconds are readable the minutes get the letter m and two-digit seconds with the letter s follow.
2h23
